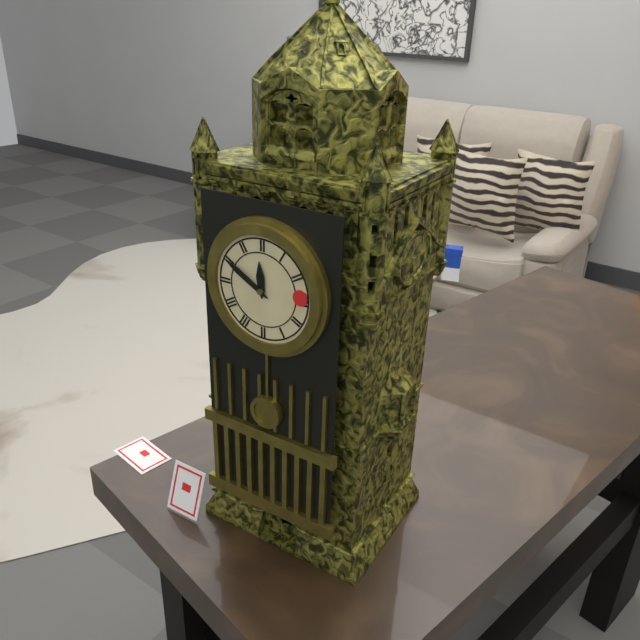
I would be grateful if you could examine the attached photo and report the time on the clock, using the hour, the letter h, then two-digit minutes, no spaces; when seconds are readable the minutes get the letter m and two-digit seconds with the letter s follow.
11h50
